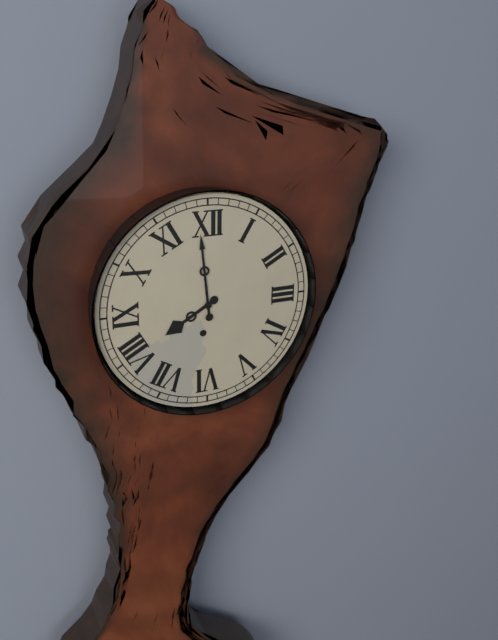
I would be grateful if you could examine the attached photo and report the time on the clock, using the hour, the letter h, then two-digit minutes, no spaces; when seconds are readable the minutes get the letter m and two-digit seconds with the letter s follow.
7h59
